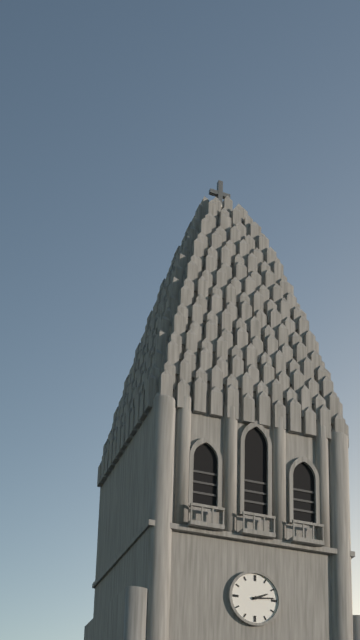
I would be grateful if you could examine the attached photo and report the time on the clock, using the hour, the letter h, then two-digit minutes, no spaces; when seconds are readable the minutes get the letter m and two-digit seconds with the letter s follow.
2h14
